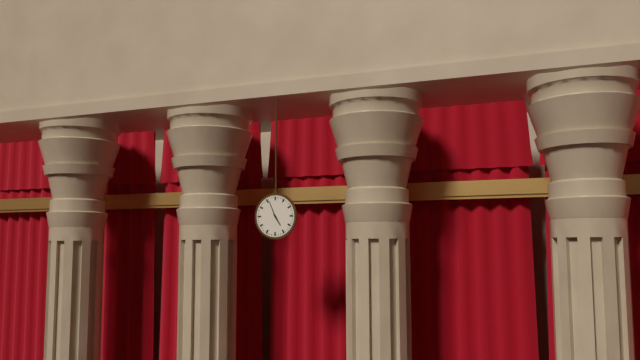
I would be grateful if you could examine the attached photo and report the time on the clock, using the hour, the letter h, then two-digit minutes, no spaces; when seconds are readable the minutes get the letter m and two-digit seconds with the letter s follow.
4h56
